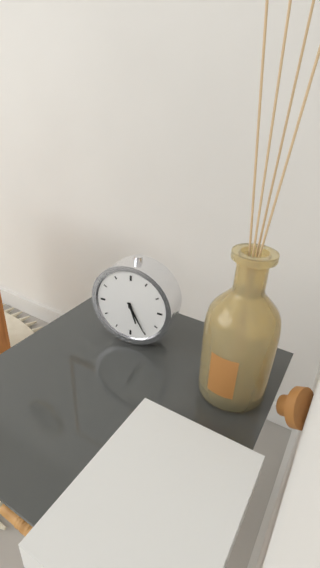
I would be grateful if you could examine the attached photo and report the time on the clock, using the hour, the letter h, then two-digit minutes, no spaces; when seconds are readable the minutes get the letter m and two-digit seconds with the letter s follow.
5h25
